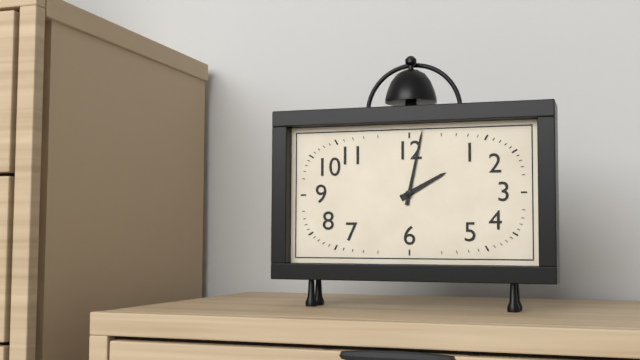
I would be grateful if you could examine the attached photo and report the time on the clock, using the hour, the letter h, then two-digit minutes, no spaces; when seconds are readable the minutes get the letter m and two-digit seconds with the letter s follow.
2h02
